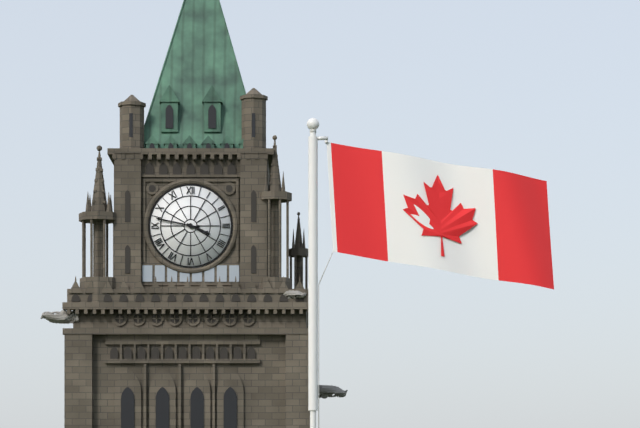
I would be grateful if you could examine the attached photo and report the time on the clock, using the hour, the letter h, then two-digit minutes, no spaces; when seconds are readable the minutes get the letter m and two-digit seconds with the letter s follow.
3h47
